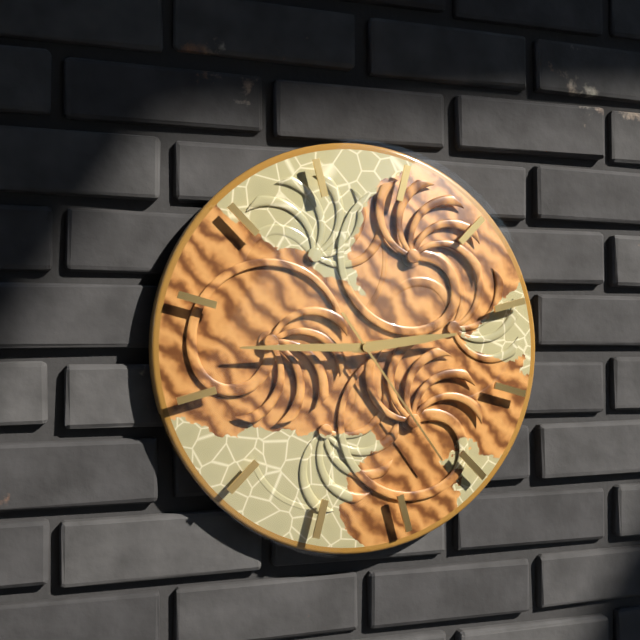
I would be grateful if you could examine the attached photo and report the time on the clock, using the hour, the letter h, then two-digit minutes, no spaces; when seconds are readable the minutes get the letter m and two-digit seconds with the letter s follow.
2h45m24s
